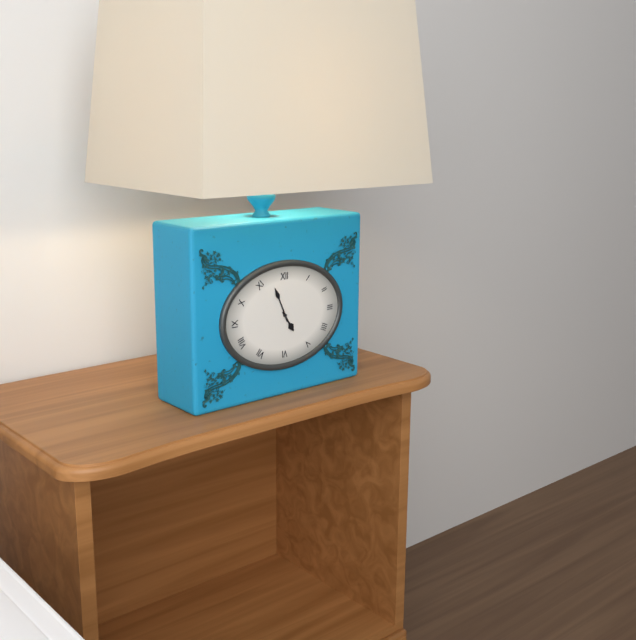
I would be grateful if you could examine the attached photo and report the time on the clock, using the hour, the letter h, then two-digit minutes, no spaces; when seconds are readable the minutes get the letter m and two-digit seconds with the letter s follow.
4h56
